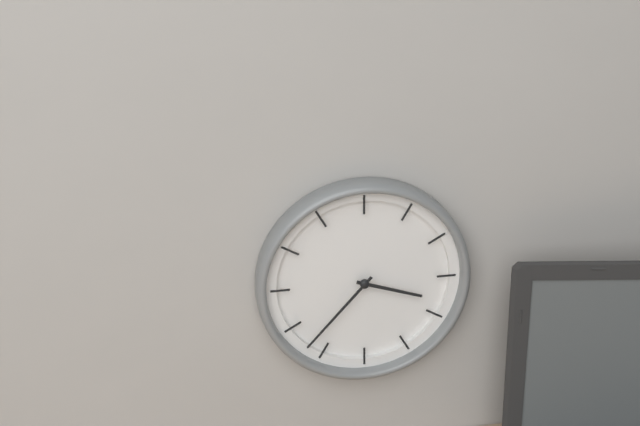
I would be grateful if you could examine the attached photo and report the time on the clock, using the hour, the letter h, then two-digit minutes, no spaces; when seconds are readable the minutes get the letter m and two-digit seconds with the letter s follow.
3h37
